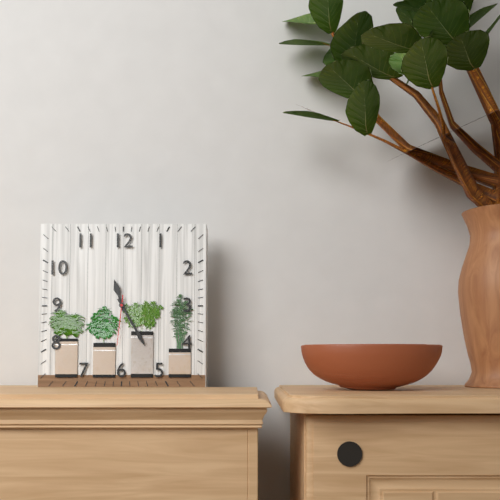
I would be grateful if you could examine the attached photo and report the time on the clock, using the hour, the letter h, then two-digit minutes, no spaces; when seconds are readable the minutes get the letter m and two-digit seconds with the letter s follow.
11h25
